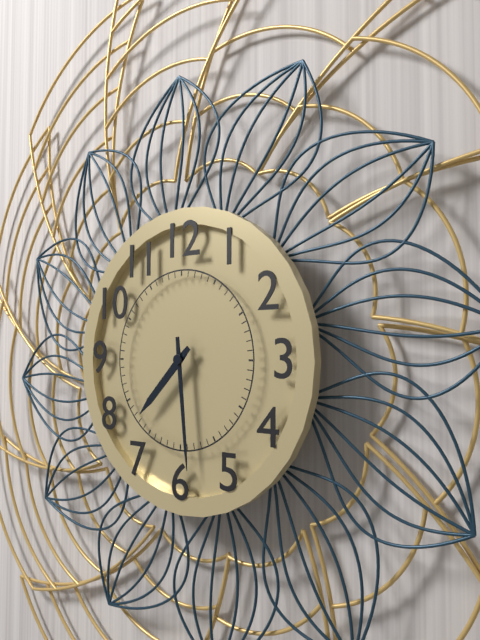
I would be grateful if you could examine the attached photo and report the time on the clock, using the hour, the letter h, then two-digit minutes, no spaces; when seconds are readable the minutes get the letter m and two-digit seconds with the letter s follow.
7h29
